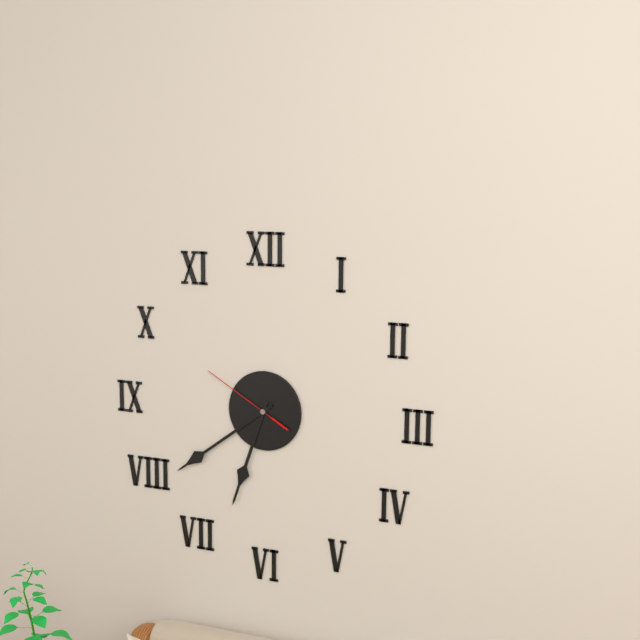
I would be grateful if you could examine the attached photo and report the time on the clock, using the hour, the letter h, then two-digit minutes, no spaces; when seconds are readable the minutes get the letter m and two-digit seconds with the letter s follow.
6h39m50s
